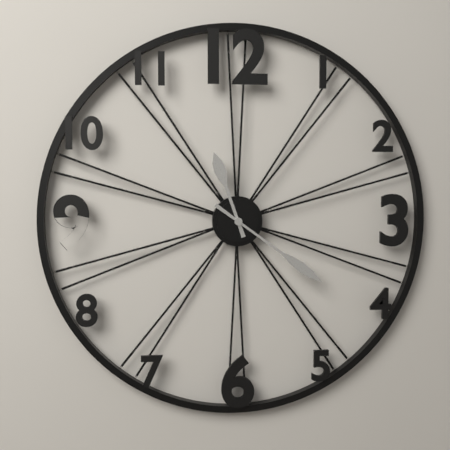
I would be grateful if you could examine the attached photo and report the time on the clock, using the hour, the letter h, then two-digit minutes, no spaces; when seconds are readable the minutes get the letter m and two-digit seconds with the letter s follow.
11h21
